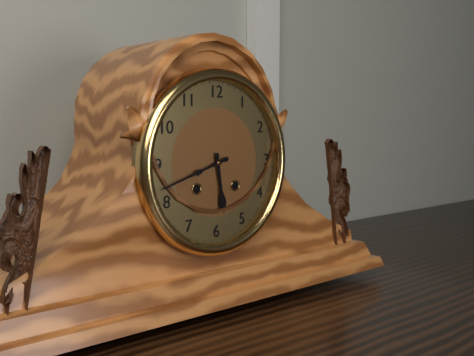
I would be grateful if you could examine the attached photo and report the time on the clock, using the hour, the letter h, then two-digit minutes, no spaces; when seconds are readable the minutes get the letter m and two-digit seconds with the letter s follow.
5h42
